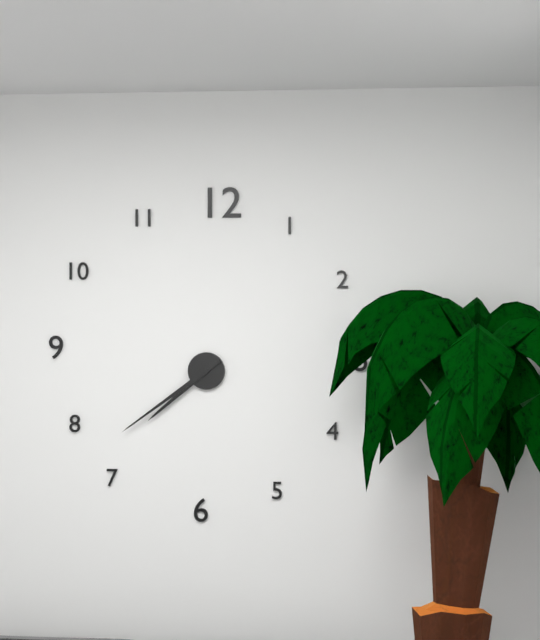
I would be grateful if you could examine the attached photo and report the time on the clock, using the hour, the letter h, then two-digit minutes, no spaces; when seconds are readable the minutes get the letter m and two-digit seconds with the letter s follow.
7h39
